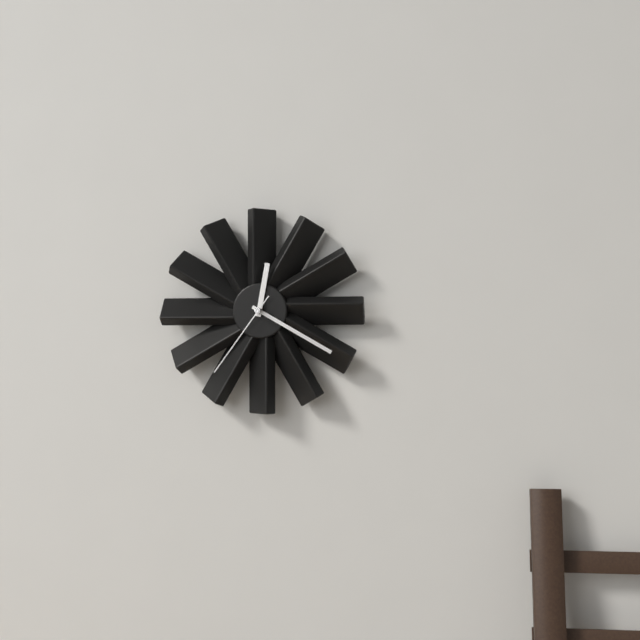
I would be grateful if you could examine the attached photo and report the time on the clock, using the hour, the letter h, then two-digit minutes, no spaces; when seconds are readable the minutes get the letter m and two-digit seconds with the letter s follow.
12h20m36s
